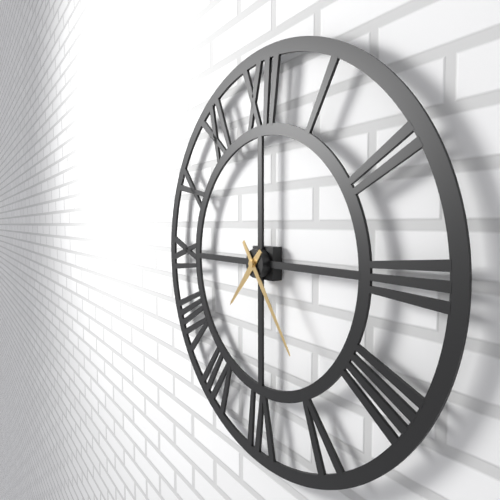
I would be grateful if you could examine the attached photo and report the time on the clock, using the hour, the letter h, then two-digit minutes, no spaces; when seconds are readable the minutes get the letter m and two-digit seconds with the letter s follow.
7h24
